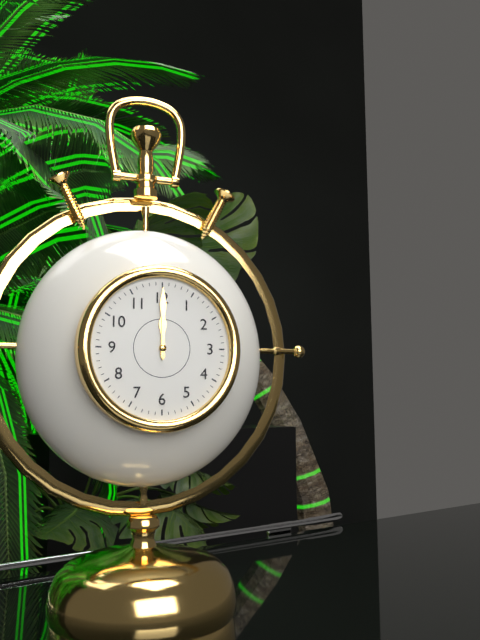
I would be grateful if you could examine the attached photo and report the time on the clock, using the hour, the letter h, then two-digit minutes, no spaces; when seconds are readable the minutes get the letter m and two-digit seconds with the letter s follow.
12h00
